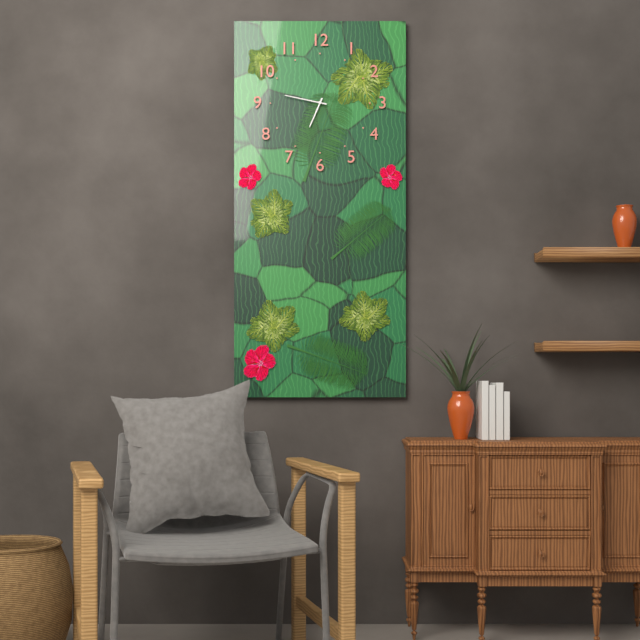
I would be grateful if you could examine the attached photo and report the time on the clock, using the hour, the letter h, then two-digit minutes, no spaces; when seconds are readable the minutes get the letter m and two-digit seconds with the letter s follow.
6h47
